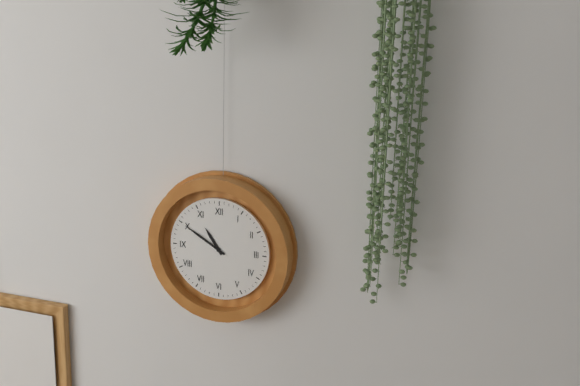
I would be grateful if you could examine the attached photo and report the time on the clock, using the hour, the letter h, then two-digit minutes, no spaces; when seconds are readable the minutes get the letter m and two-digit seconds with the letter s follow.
10h50
